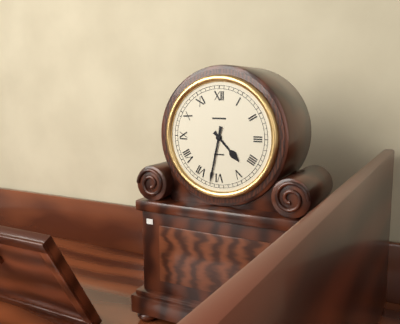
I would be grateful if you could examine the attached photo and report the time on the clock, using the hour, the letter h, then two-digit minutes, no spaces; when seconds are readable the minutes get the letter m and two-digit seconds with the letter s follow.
4h32
